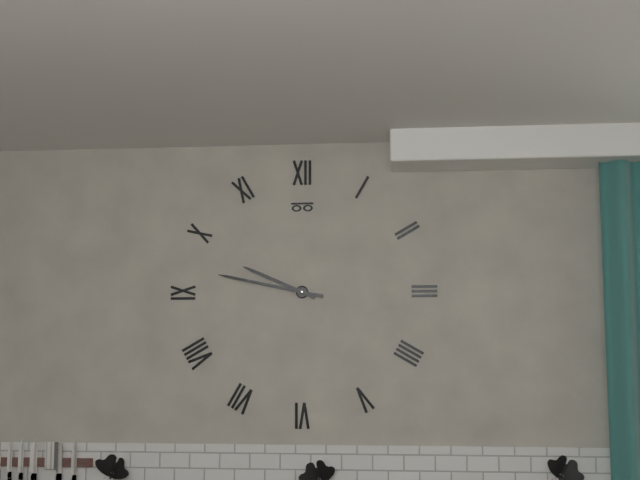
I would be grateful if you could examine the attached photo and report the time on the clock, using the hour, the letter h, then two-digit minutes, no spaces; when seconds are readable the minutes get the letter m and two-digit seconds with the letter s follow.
9h47
